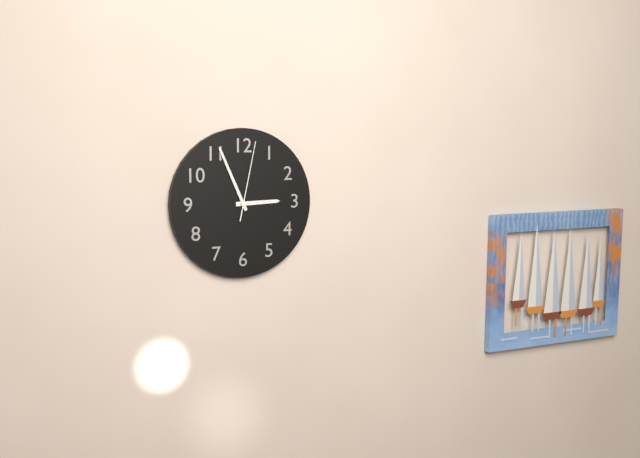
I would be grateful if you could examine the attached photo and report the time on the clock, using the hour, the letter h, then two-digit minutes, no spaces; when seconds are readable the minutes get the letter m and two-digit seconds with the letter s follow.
2h56m02s
